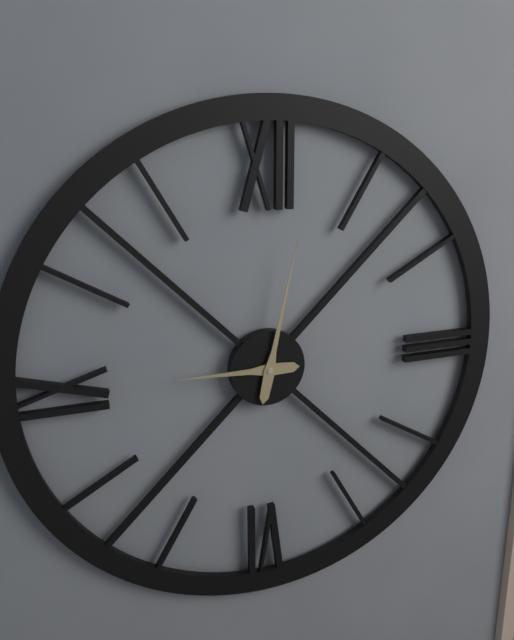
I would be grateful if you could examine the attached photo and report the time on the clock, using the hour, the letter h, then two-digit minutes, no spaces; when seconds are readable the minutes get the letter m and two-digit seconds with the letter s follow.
9h02
